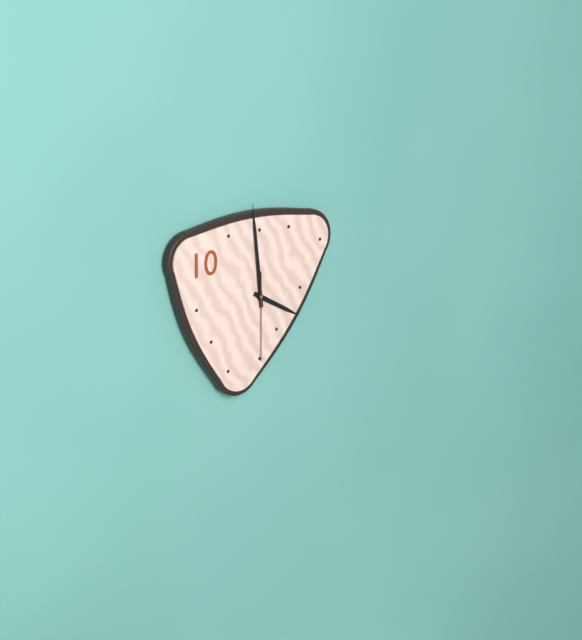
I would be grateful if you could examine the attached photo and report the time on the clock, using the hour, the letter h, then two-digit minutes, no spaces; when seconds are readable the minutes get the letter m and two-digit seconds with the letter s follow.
3h59m30s
